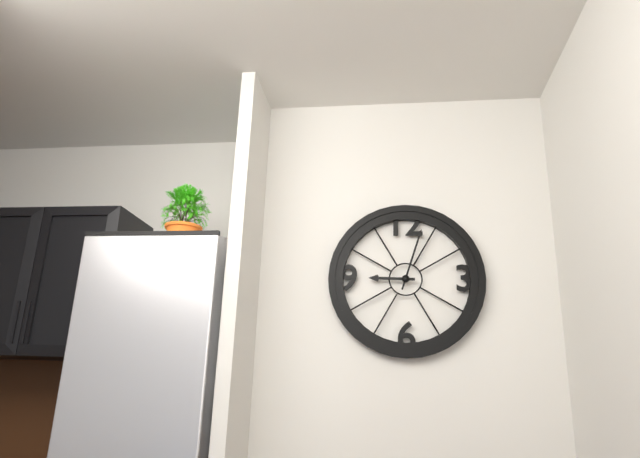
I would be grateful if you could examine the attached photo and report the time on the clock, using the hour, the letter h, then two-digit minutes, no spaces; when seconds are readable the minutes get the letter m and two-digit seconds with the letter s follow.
9h03
